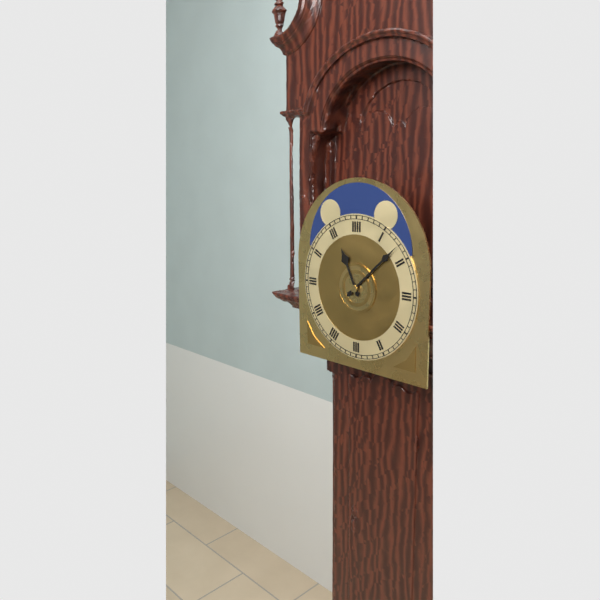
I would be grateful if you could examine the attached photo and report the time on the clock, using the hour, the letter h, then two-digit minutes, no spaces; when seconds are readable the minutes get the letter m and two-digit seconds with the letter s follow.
11h08
